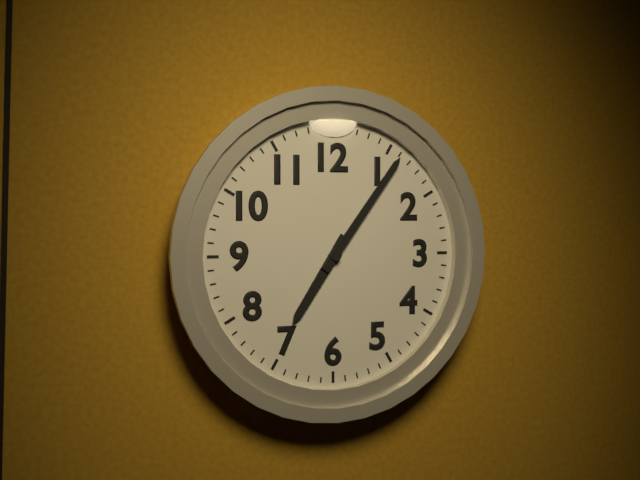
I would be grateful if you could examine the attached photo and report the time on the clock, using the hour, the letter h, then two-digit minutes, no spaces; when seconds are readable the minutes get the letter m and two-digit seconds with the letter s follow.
7h06
